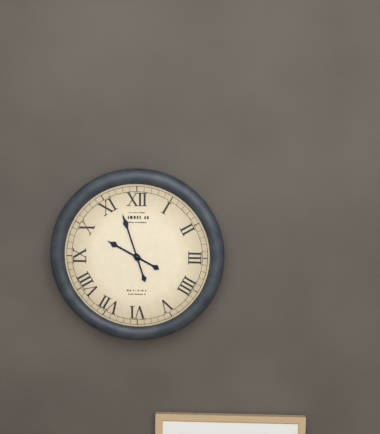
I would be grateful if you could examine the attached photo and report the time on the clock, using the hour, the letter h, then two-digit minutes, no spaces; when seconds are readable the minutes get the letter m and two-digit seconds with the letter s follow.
9h57
